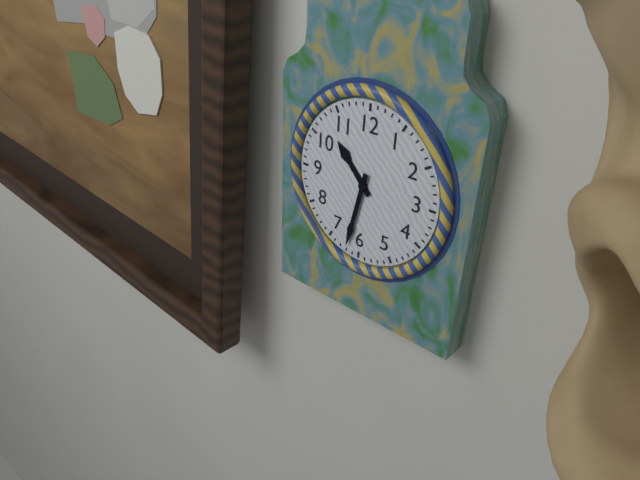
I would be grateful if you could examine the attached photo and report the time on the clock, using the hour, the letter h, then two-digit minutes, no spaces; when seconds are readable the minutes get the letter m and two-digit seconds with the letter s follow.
10h32
